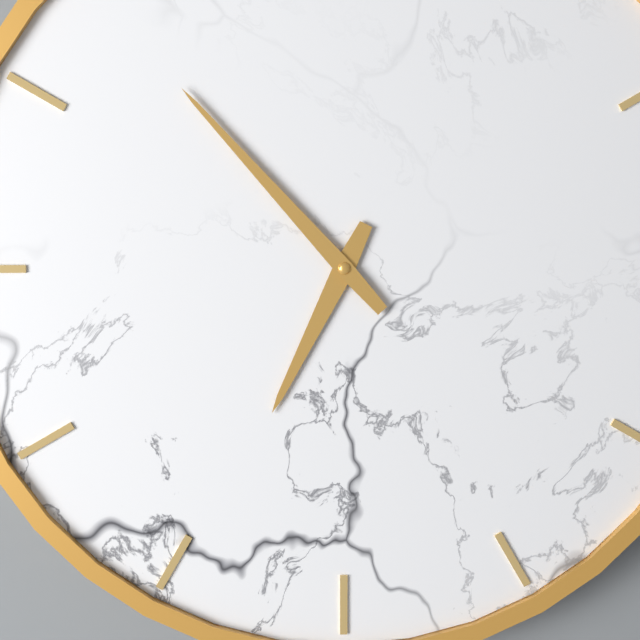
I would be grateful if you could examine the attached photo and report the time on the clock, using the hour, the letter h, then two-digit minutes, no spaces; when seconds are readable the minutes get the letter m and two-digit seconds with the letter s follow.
6h53
